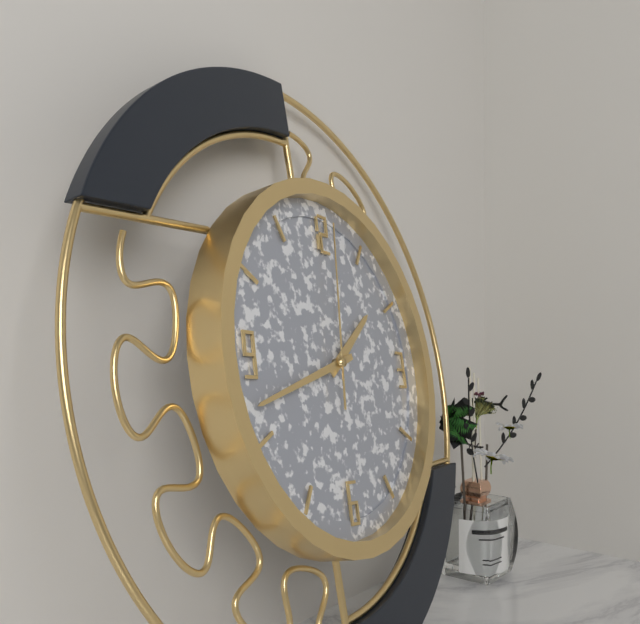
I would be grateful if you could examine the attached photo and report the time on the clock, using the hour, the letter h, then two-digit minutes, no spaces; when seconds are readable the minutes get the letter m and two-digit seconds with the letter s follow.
1h42m01s
